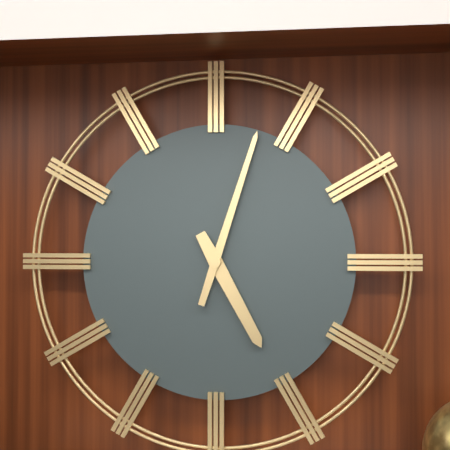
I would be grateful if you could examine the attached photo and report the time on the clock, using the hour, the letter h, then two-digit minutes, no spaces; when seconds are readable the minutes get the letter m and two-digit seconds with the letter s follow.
5h03
